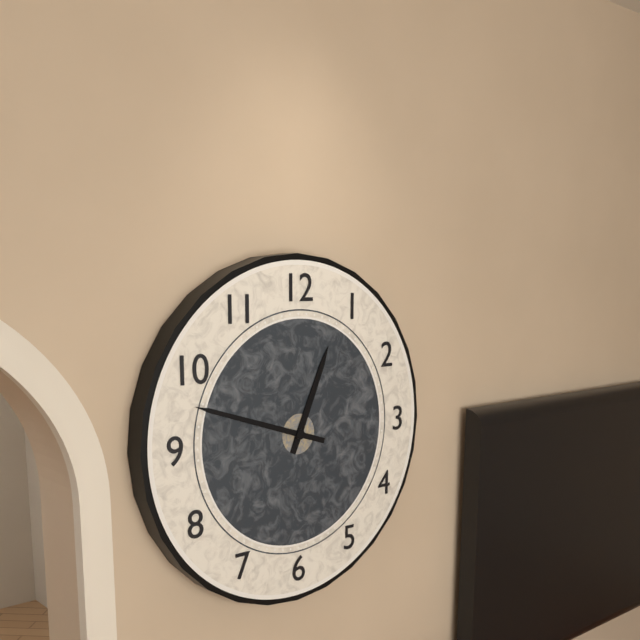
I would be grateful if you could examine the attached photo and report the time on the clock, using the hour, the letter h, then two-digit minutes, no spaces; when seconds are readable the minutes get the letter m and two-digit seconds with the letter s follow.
12h48
